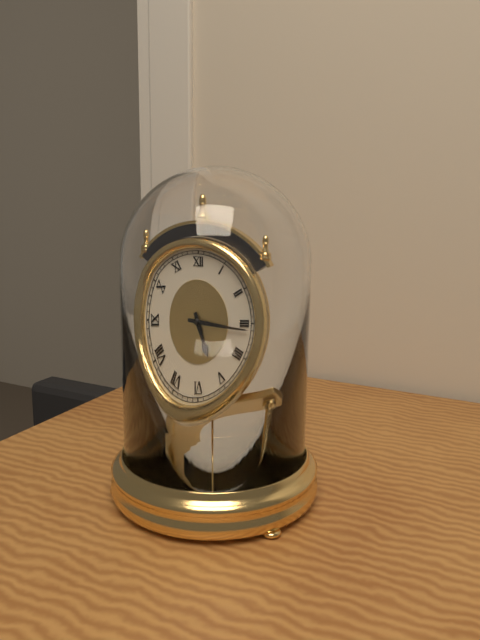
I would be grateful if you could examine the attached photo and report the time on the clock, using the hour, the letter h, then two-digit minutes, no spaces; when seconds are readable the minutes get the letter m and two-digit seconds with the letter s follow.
5h16
